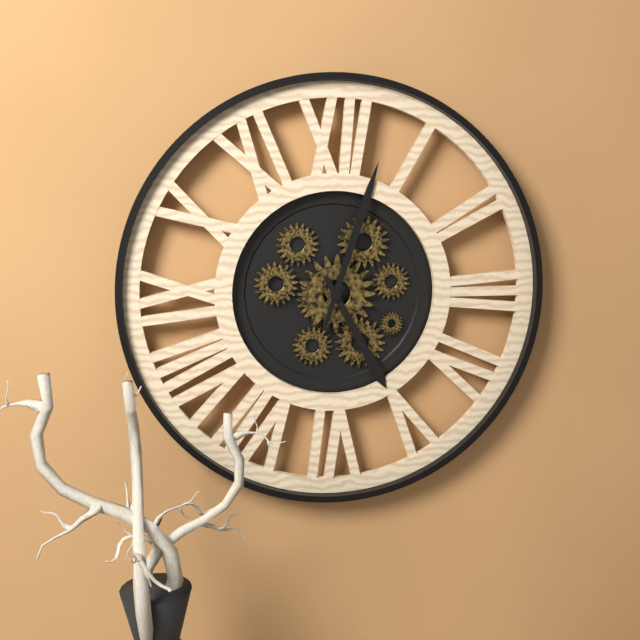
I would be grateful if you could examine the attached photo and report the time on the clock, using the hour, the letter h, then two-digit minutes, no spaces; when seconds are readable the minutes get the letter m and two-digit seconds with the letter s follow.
5h03
